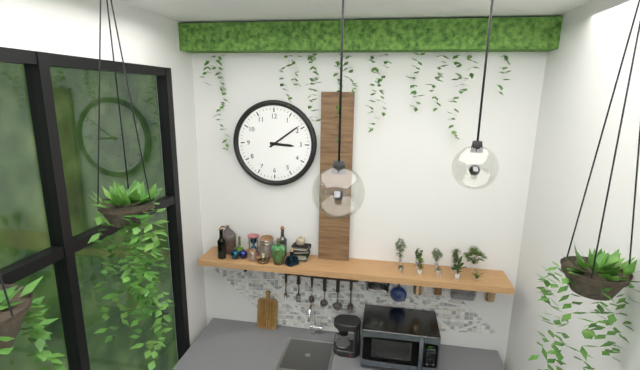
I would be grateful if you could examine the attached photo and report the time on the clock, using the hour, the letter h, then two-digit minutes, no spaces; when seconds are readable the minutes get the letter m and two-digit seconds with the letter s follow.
3h09
